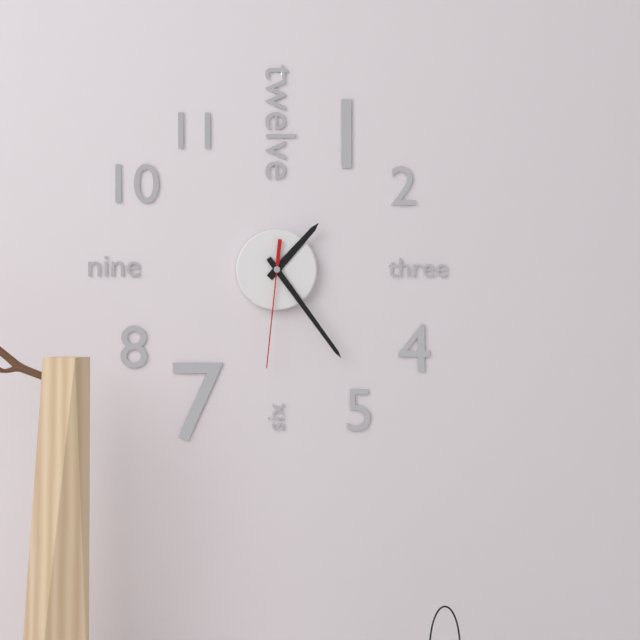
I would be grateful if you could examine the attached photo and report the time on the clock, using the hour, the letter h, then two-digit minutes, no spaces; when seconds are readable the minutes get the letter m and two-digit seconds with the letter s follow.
1h24m31s
